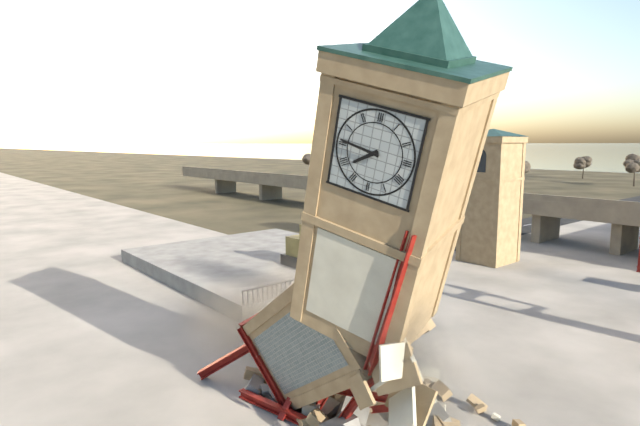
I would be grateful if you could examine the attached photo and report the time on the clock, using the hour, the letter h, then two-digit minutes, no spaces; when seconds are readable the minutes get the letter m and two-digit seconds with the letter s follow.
7h46
